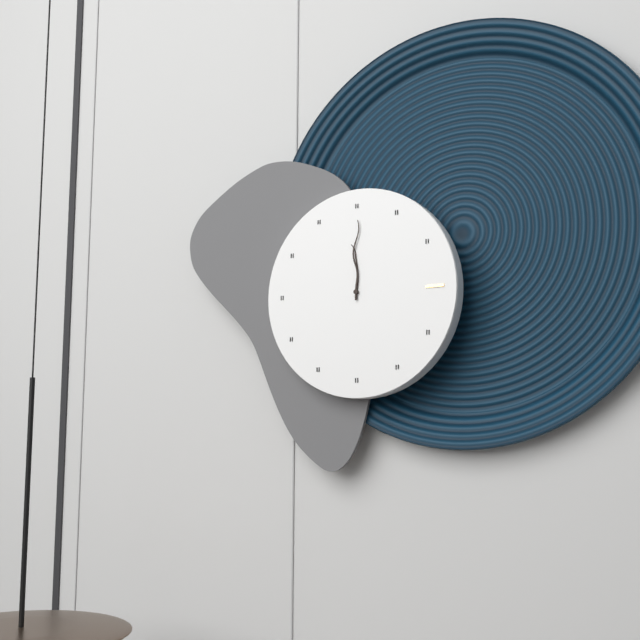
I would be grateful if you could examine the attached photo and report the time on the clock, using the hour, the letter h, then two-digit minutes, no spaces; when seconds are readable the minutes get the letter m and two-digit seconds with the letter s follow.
12h00
